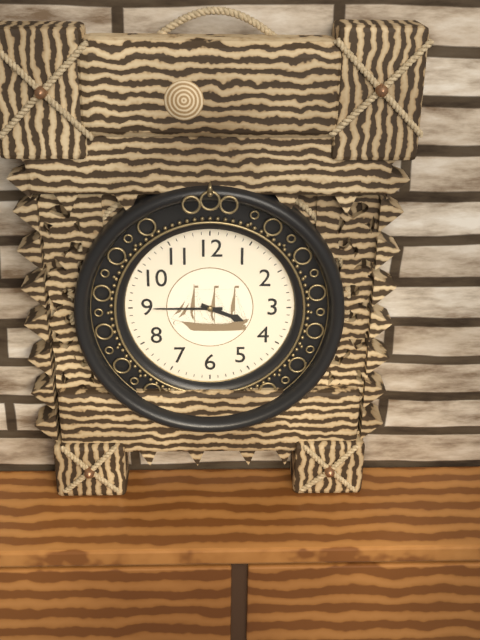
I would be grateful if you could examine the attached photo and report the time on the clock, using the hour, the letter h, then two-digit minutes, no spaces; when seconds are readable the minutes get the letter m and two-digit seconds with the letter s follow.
3h45
